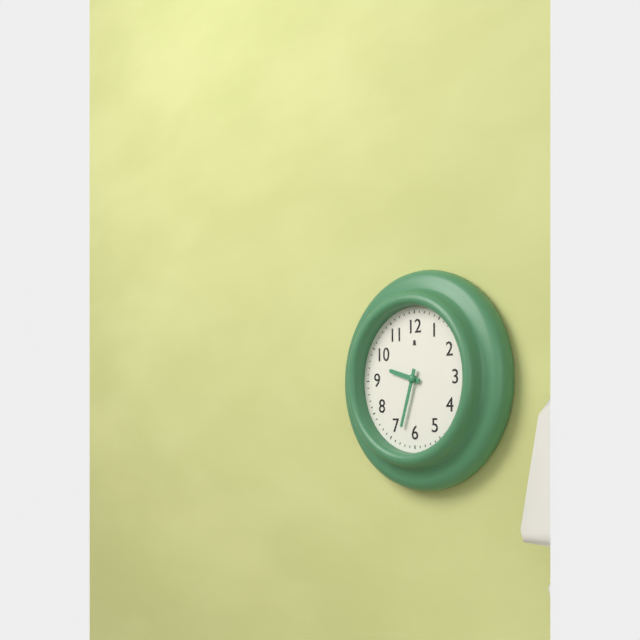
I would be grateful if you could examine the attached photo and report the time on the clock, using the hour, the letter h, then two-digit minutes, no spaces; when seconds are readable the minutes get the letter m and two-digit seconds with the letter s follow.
9h33
